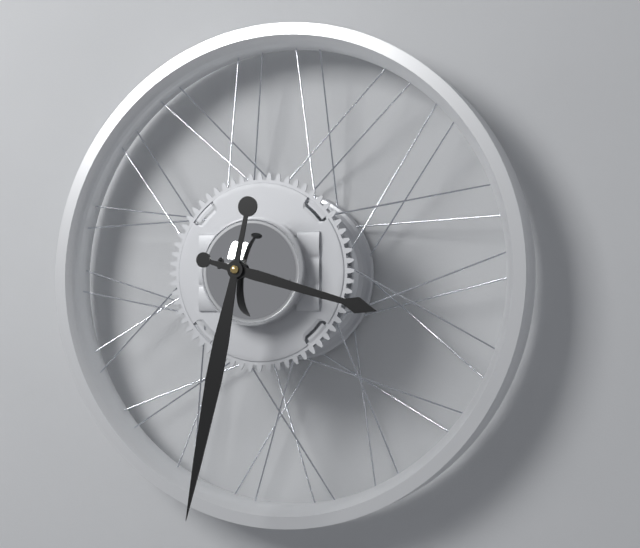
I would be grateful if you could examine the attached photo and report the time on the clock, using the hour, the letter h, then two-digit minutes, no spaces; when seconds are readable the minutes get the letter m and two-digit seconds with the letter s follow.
3h32
